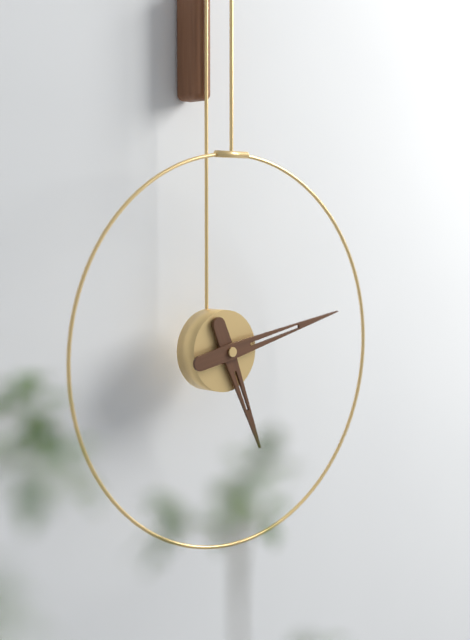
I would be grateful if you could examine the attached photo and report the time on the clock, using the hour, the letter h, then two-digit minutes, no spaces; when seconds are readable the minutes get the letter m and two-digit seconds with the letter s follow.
5h13
